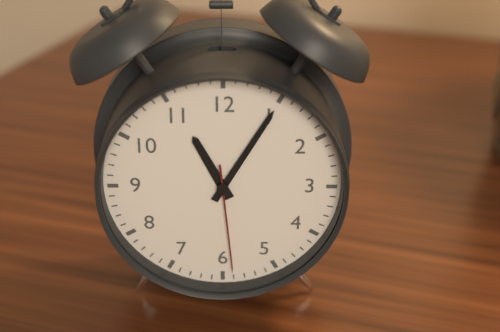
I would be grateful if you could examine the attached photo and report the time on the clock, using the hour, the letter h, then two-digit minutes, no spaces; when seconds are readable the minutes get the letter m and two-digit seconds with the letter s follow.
11h05m29s
